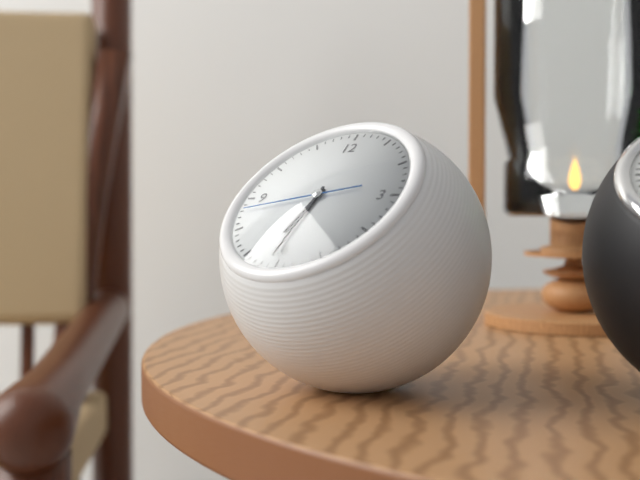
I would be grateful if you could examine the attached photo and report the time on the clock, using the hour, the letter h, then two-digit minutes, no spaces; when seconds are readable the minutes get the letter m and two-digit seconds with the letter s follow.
6h31m43s
